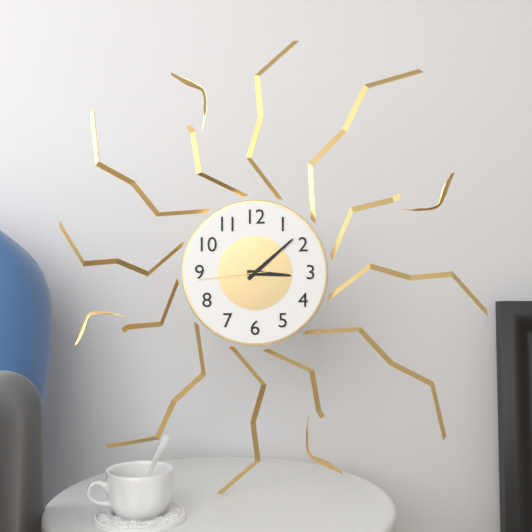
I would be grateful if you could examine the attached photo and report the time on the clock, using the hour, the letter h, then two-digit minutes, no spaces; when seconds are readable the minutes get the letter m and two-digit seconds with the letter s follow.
3h08m44s
